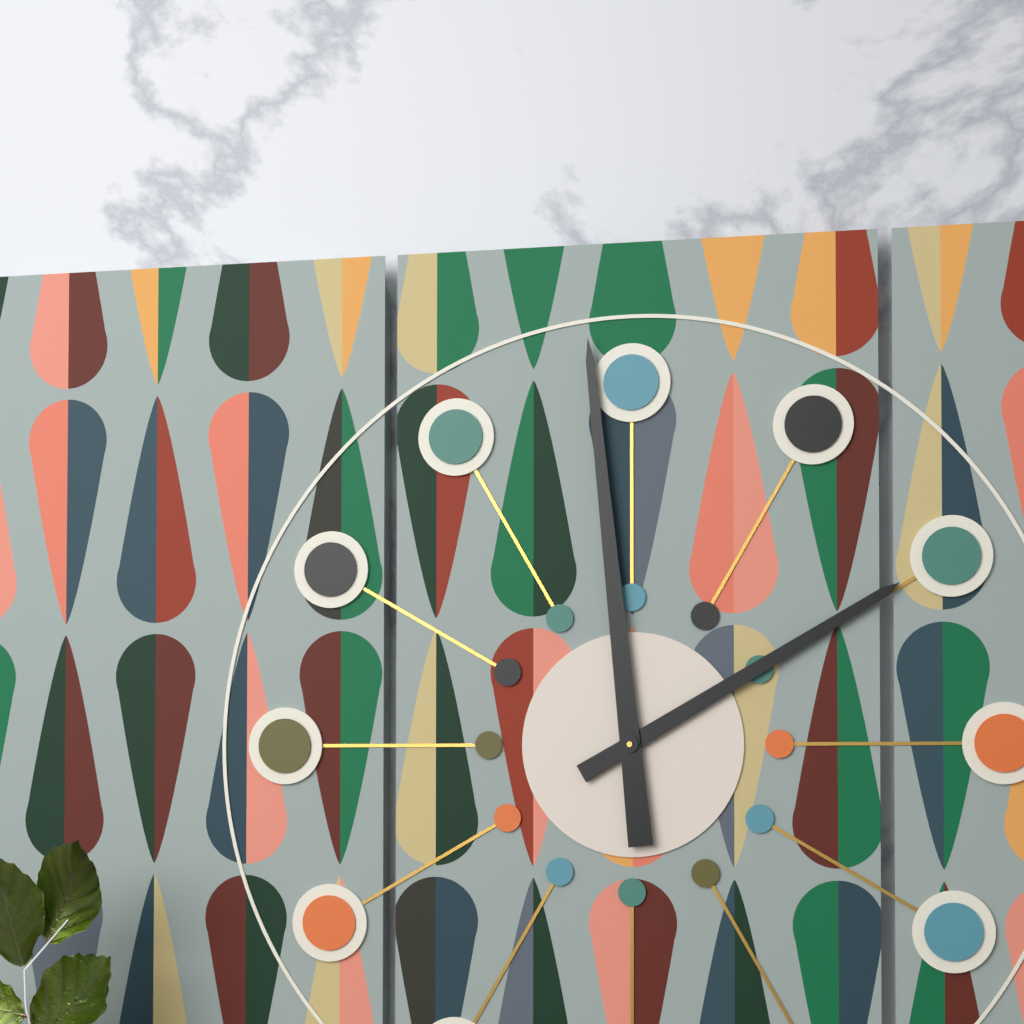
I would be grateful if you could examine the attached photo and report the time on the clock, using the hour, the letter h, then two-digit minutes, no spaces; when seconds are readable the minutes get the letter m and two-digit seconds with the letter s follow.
1h59
